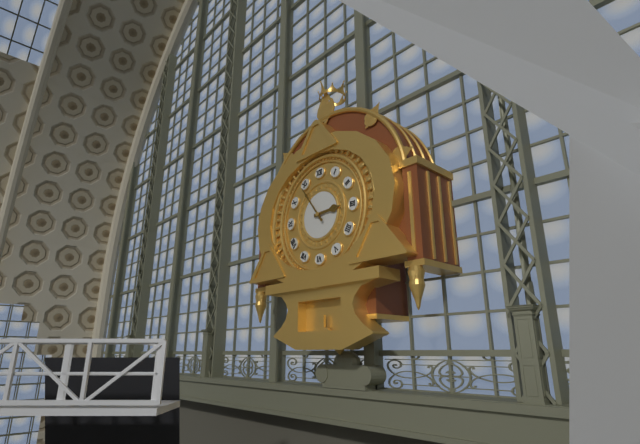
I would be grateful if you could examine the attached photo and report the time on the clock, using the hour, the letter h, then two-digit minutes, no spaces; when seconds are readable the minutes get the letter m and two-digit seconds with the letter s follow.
2h54
